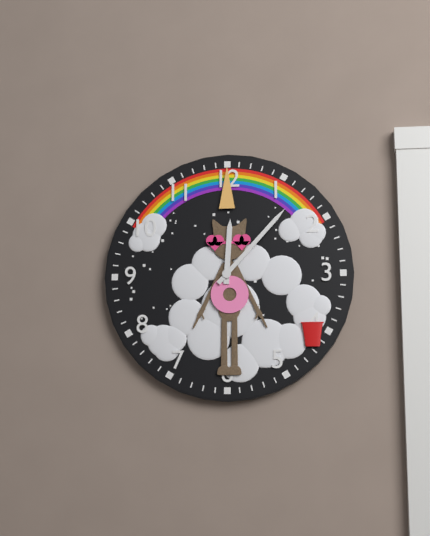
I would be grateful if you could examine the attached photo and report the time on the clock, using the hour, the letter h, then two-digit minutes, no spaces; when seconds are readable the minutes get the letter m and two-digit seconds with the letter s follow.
12h07
